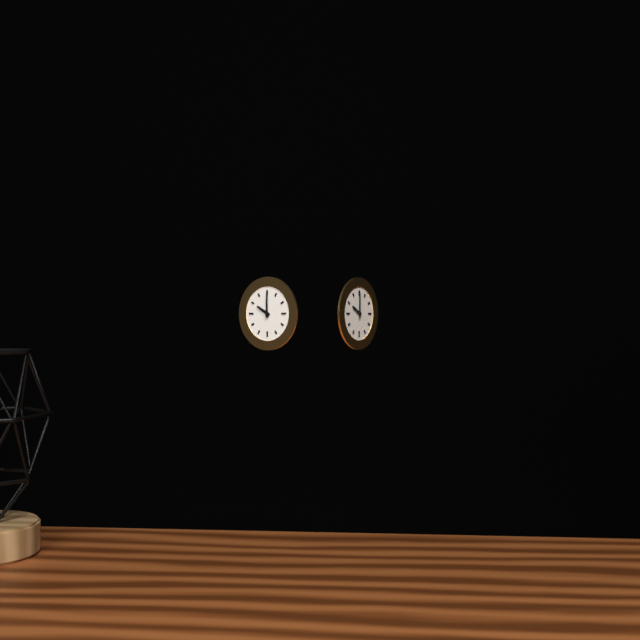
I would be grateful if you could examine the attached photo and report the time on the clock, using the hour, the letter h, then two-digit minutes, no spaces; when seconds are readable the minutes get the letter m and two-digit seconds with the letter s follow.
10h00
